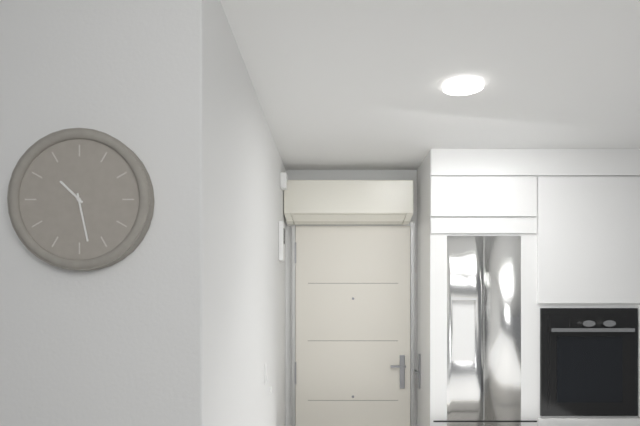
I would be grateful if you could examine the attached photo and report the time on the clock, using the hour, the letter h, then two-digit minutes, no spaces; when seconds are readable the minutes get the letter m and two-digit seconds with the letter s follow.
10h28
